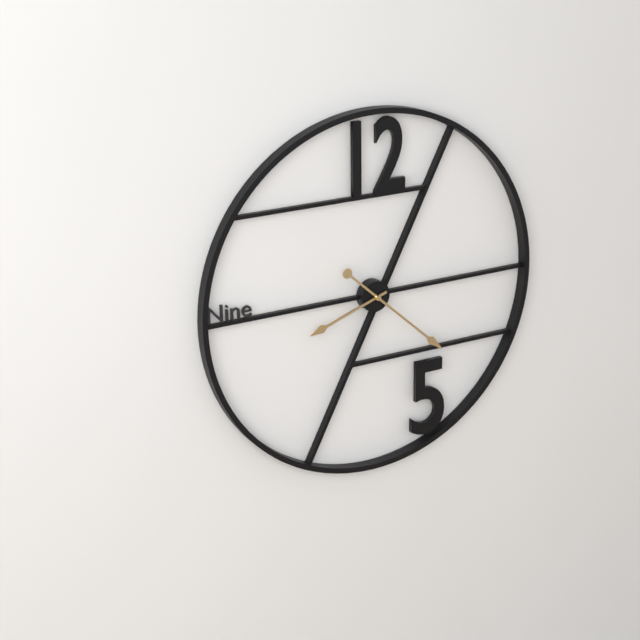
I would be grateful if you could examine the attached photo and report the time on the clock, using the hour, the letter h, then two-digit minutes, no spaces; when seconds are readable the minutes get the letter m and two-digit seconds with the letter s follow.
8h22
